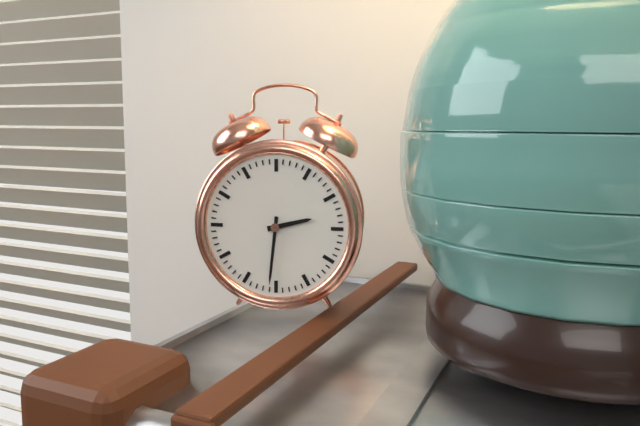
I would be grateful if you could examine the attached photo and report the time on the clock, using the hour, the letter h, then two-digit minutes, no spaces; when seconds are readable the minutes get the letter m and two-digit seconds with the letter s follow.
2h31
